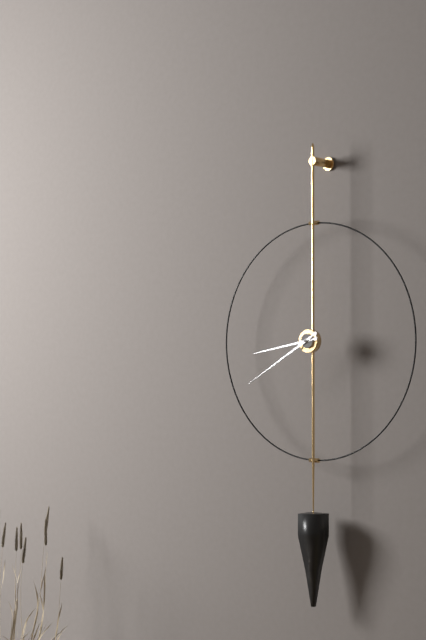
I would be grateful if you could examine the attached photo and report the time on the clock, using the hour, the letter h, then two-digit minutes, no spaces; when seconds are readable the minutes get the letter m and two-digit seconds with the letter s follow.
8h40
